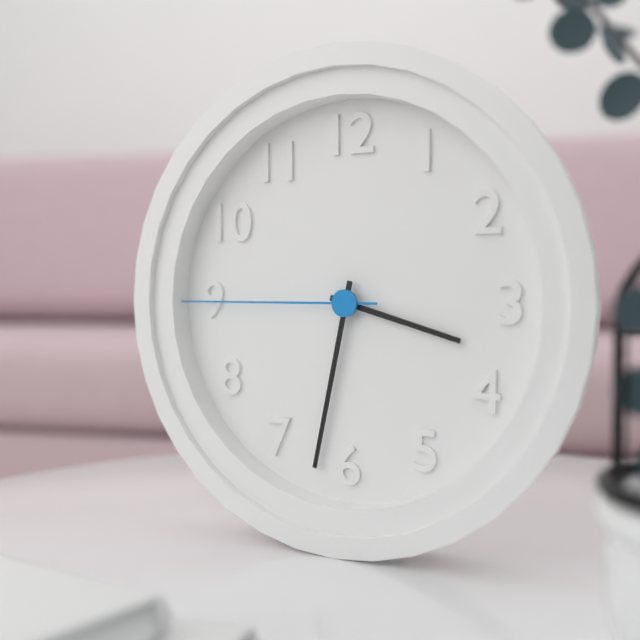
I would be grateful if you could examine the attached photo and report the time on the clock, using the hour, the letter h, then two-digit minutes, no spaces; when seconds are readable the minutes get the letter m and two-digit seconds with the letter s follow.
3h32m45s
